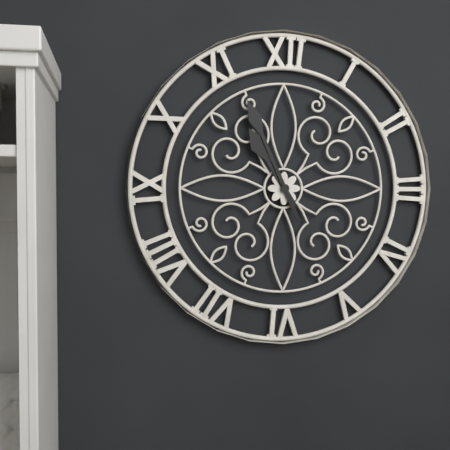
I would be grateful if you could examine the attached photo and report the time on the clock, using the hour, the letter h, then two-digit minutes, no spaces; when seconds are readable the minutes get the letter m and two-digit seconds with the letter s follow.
10h56
